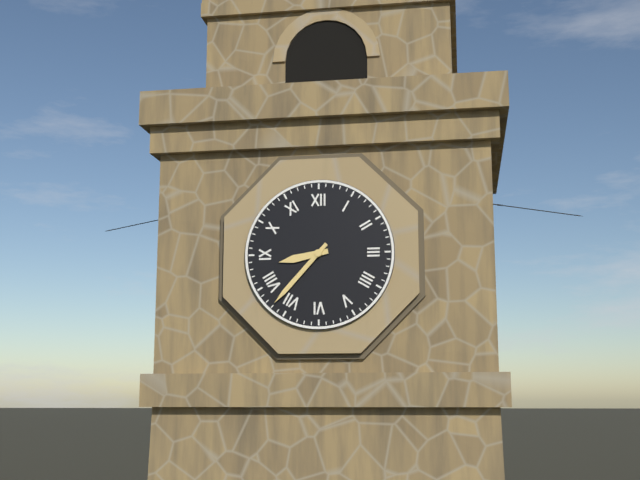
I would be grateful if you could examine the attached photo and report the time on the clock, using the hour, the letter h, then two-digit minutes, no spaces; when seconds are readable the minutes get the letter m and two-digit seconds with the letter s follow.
8h37
